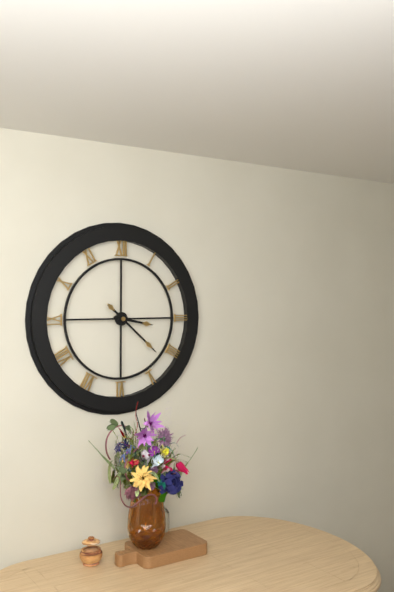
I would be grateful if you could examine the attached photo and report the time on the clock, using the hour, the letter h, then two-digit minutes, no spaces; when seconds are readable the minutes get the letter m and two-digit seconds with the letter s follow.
3h22
